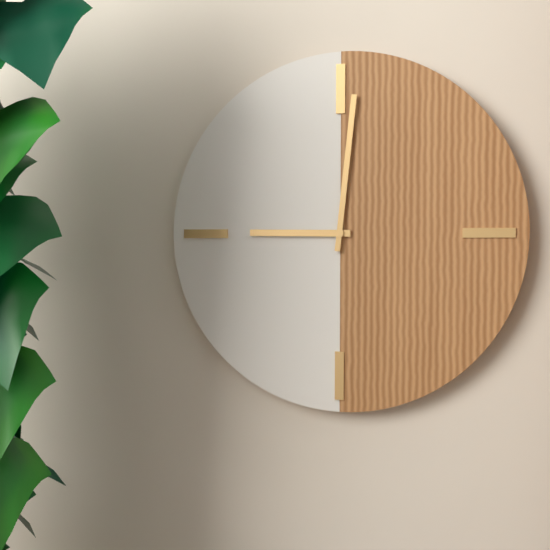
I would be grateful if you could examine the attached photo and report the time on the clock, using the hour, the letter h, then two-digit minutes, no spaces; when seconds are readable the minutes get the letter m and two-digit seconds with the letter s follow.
9h01
